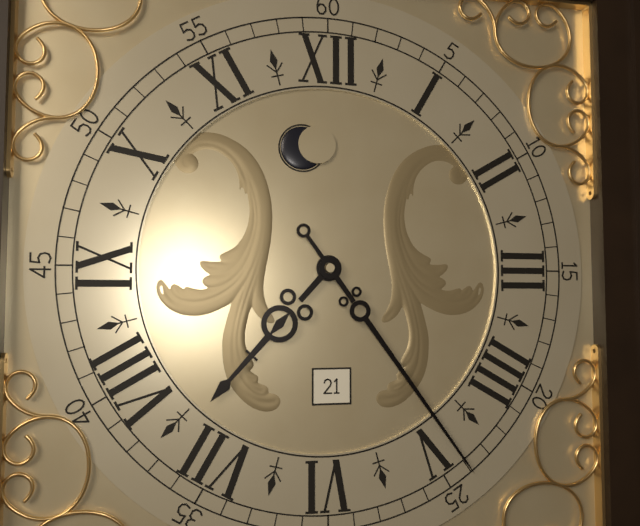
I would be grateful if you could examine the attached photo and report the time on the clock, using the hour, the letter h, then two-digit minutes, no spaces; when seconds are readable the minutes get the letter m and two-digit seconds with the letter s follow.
7h24
